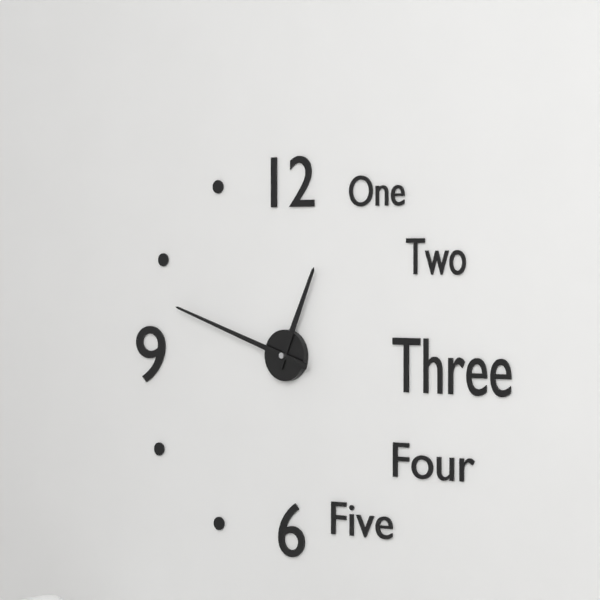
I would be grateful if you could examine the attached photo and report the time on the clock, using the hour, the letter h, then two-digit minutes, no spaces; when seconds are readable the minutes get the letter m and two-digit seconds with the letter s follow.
12h48
